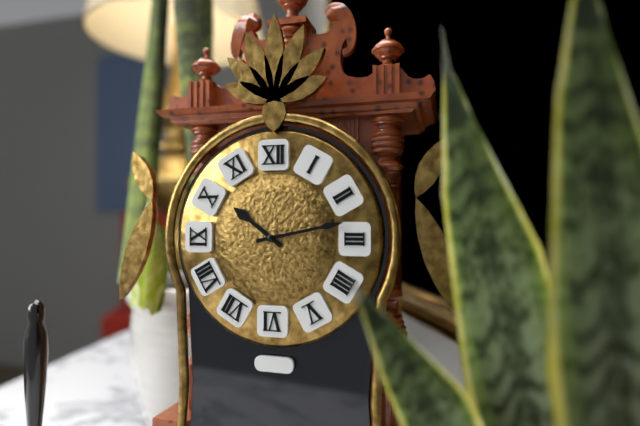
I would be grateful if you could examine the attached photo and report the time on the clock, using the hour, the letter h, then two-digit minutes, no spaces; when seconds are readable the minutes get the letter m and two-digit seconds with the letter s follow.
10h13
